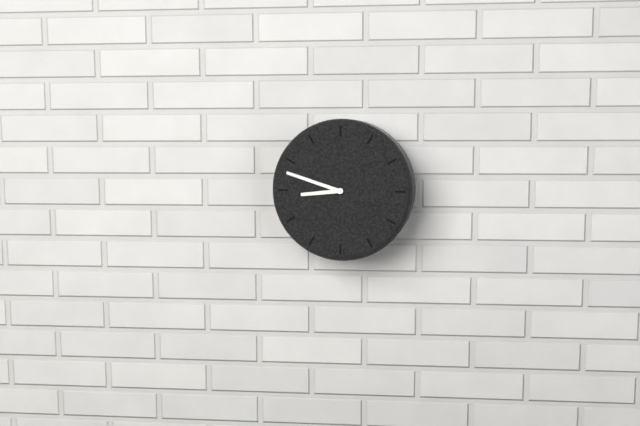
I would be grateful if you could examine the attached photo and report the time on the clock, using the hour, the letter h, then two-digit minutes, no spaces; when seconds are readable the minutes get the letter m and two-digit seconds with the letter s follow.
8h48
